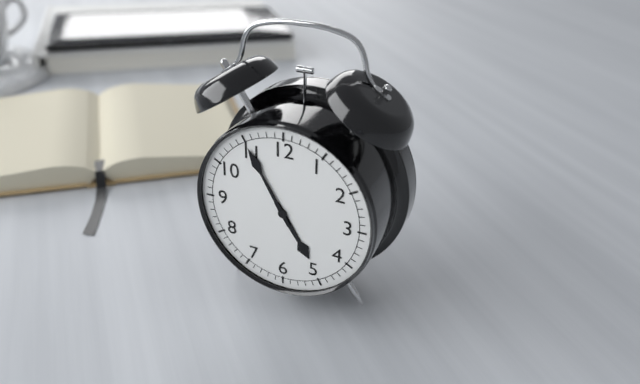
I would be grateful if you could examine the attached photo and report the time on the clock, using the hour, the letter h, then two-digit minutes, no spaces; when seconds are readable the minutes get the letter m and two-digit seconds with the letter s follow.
4h55
